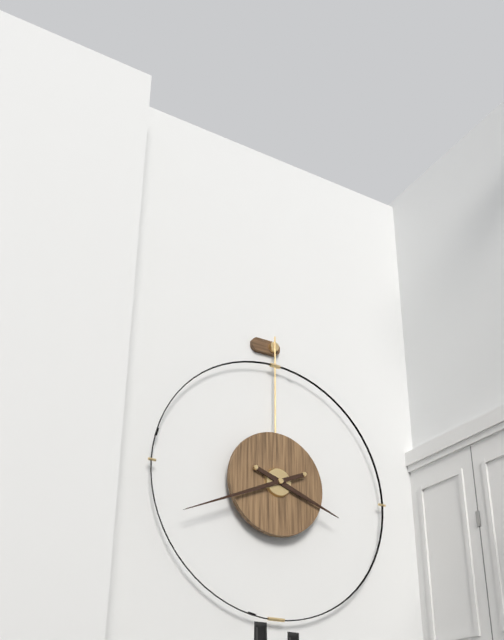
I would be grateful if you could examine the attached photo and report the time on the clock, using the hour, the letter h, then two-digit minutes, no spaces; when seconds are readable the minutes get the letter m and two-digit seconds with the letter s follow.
3h41
